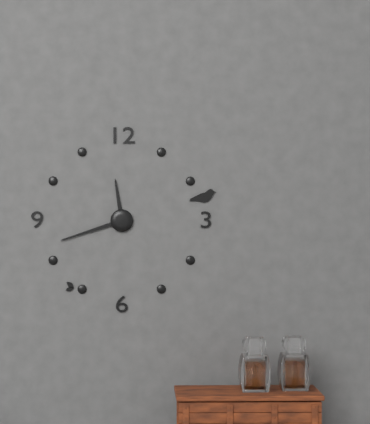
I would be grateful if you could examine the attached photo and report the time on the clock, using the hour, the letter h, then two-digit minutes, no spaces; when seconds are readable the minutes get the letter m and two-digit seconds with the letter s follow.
11h42
